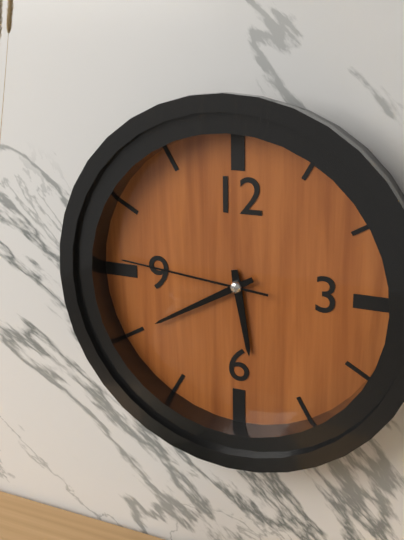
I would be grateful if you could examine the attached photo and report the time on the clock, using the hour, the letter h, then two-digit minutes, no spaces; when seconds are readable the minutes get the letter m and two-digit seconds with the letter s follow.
5h40m46s
